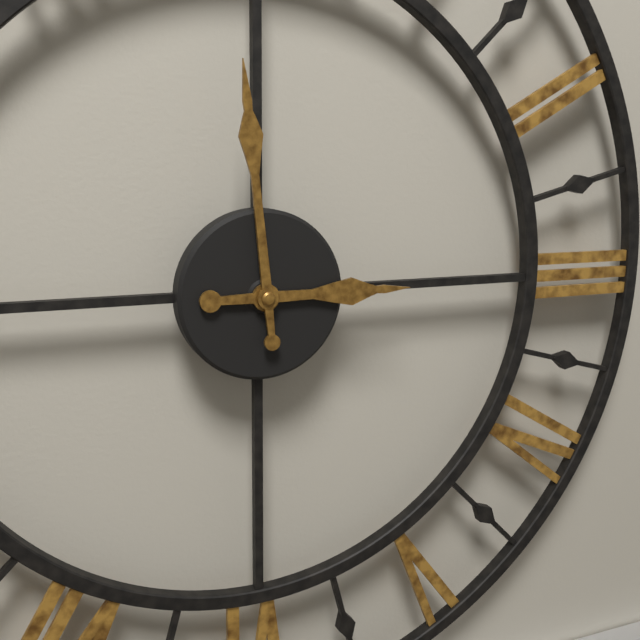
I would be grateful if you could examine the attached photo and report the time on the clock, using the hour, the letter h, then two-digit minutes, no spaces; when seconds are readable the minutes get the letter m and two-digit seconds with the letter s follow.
2h59
